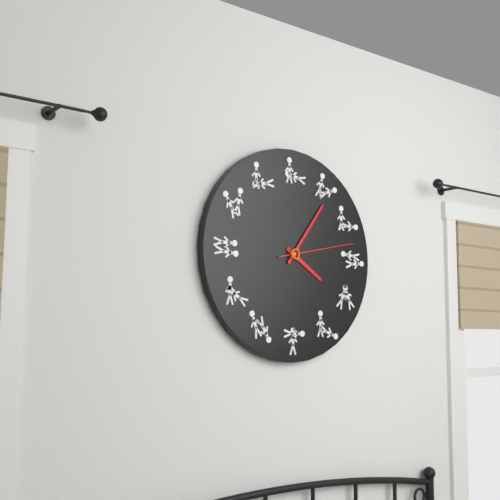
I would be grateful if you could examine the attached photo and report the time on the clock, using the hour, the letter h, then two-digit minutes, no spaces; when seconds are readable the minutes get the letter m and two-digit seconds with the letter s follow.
4h06m13s
